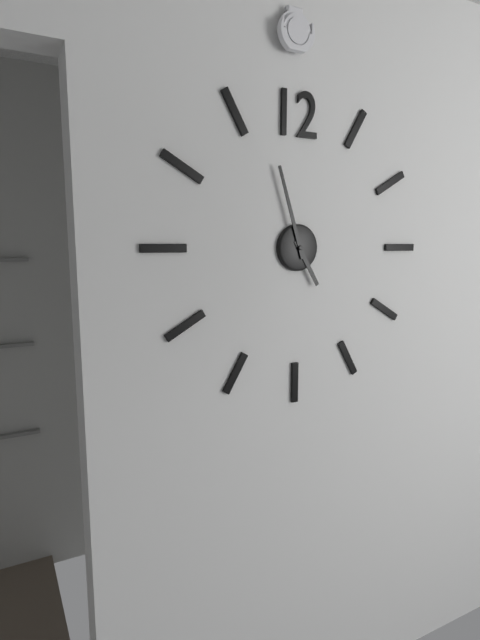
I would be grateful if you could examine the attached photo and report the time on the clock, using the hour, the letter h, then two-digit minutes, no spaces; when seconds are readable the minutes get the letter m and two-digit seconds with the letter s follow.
4h57
